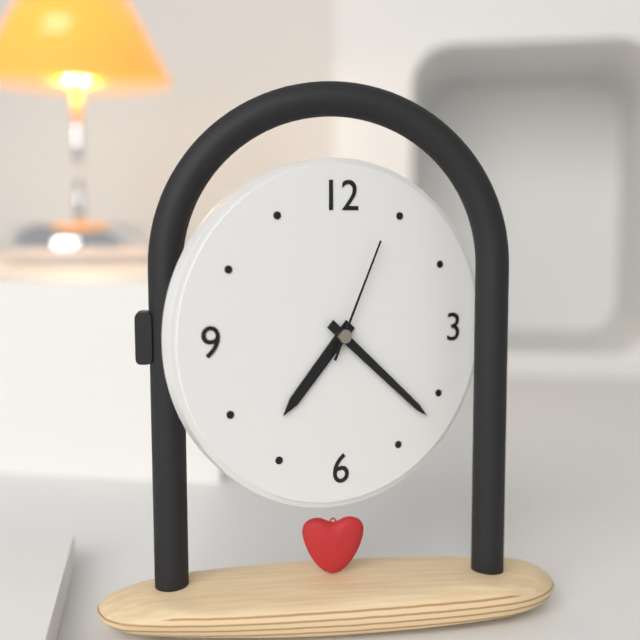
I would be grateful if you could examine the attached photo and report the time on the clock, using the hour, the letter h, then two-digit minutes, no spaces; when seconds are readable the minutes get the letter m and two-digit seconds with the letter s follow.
7h22m04s
